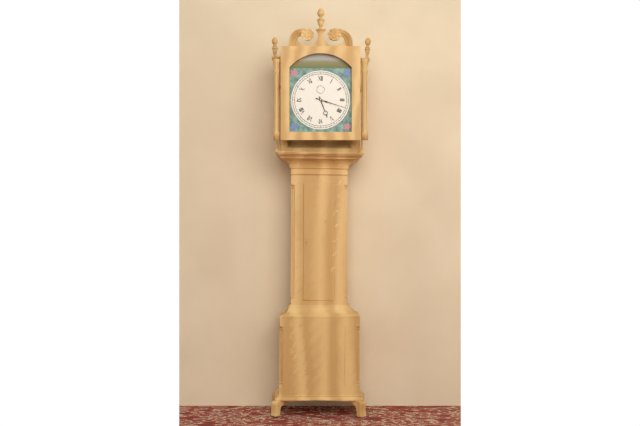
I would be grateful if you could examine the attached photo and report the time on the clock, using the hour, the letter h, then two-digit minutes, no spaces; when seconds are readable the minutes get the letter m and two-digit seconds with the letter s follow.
5h18
